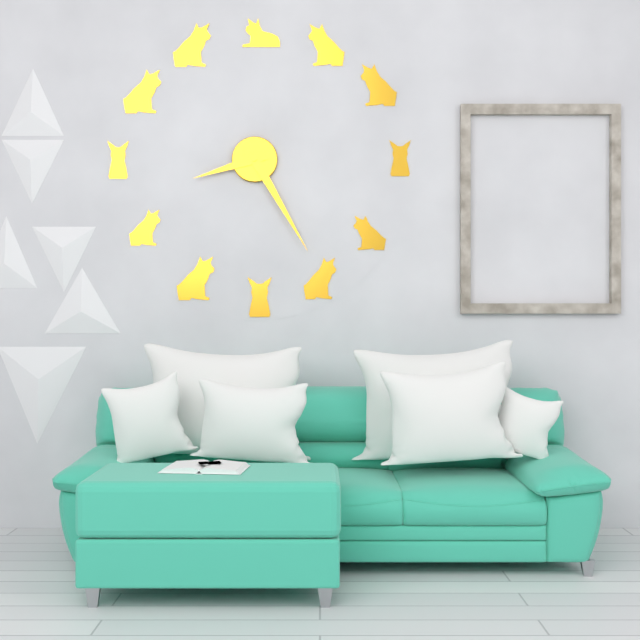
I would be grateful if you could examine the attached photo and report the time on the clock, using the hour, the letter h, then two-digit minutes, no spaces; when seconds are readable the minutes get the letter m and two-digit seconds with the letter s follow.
8h25
